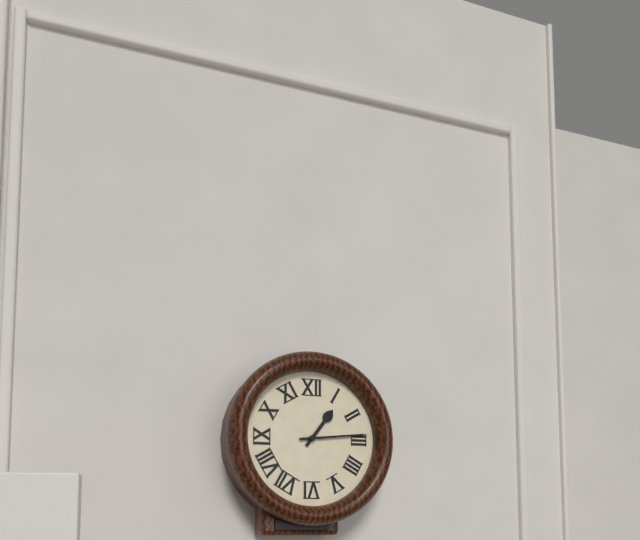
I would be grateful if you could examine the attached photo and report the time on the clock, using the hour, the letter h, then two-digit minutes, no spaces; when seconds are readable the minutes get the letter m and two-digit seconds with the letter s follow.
1h14
